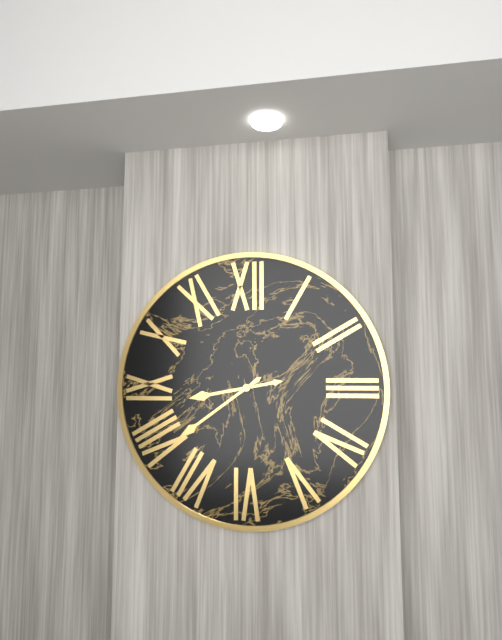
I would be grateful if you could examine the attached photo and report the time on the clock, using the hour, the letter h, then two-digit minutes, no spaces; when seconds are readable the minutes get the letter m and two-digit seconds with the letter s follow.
8h39
